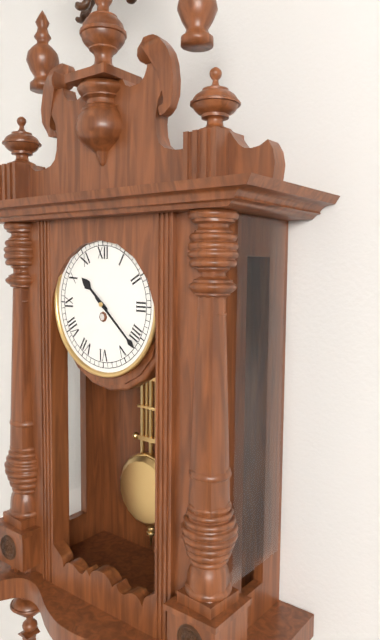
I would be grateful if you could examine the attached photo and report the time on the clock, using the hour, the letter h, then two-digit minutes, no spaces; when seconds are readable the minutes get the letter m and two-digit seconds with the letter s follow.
10h22
